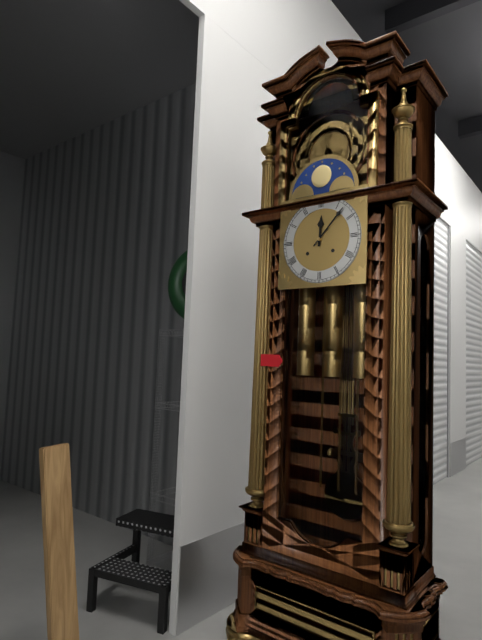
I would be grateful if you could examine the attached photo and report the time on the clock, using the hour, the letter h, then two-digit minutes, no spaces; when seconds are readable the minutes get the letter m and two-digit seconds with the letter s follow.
12h07
